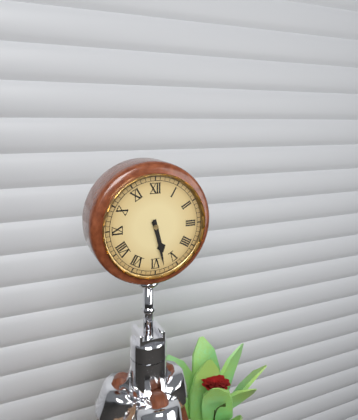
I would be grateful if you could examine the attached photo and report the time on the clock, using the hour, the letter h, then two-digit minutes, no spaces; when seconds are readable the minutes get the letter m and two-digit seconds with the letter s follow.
5h28
